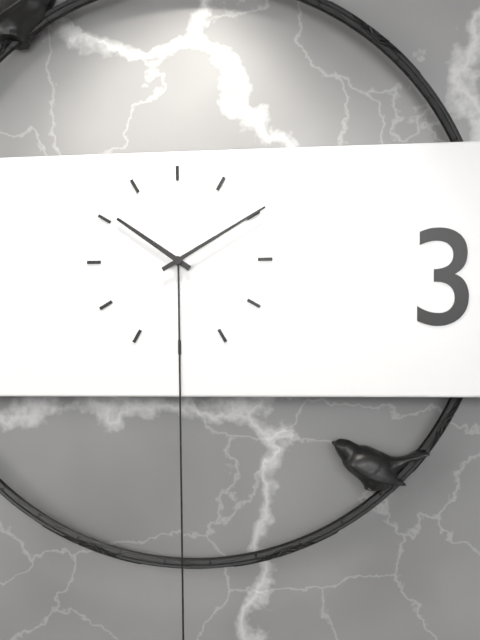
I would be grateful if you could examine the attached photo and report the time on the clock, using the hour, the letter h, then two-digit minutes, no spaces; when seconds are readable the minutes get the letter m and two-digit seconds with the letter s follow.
10h10
